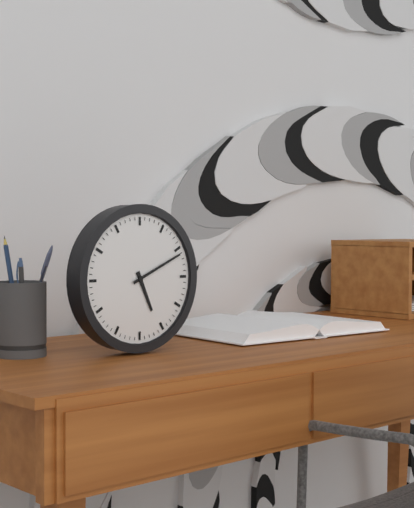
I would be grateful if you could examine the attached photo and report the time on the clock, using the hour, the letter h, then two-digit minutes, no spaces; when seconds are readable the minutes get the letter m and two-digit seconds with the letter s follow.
5h11
